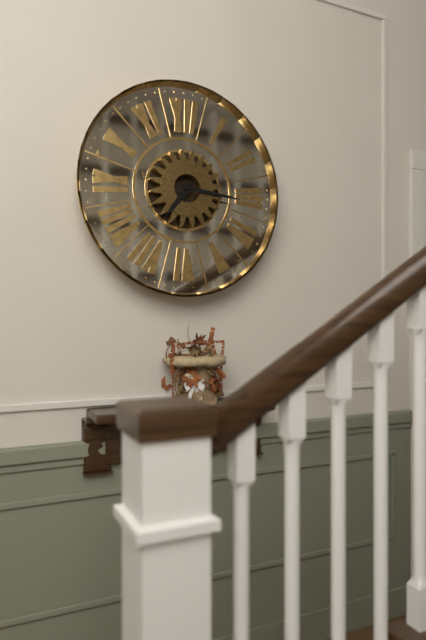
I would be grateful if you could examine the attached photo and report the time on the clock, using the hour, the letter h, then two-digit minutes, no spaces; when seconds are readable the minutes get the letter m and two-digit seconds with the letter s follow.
7h16
